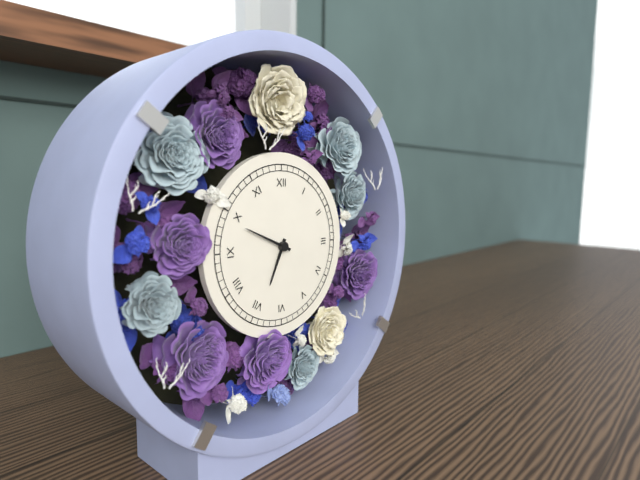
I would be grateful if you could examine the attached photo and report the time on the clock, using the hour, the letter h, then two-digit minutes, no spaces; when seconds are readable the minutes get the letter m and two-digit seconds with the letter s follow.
6h49
